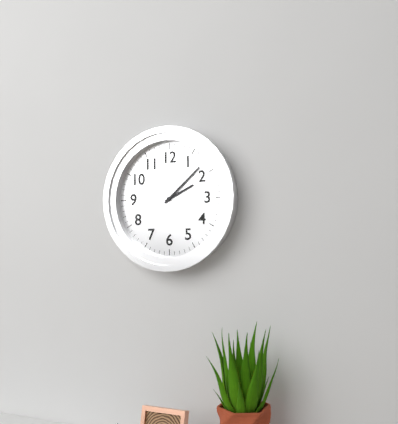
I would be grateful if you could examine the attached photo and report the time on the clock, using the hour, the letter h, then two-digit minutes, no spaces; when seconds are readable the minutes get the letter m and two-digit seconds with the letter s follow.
2h08
